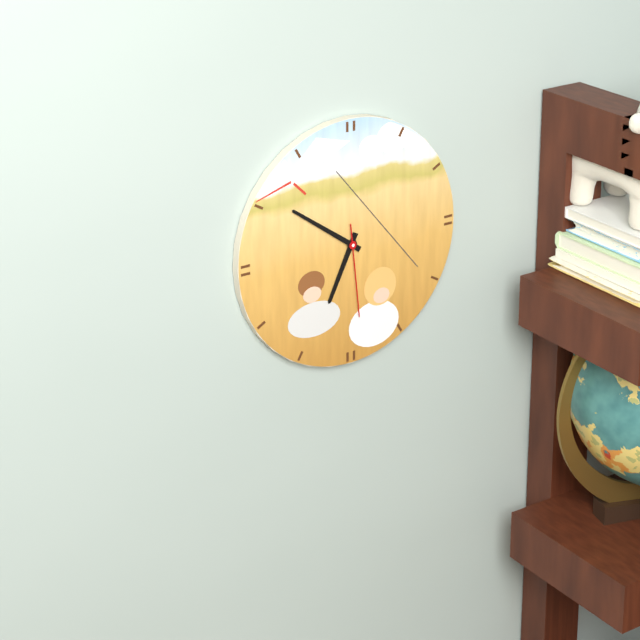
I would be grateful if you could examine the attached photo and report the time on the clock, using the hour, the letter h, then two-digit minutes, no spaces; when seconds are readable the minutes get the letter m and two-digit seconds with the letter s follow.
6h51m29s
